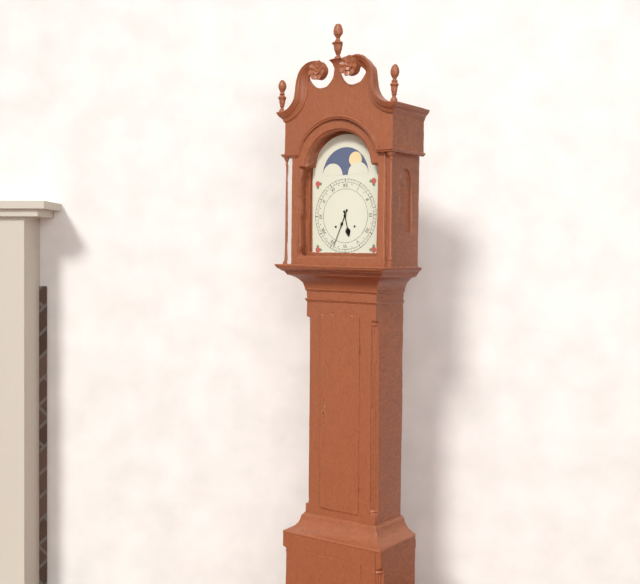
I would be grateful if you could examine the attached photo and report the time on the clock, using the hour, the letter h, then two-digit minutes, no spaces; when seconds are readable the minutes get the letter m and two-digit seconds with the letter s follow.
5h34
